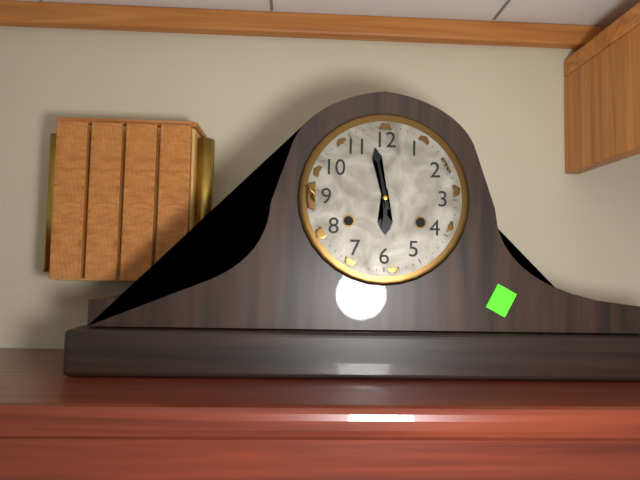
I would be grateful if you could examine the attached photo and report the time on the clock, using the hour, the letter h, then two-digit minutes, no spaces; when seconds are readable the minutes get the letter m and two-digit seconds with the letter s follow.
5h58
